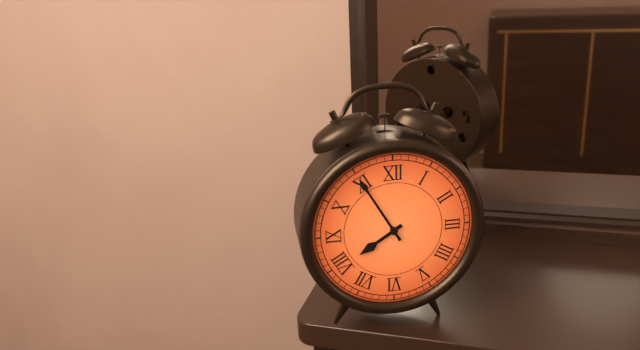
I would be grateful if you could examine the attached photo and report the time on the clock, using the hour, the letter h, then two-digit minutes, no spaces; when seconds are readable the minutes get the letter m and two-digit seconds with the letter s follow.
7h55
